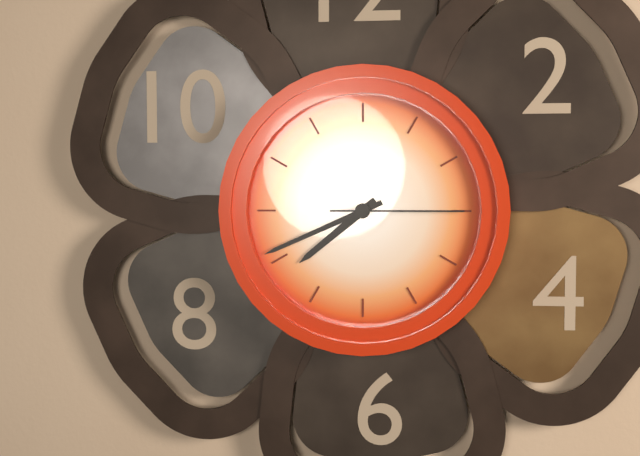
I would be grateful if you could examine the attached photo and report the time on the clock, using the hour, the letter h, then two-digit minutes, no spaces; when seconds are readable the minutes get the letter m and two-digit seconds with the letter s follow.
7h41m15s
